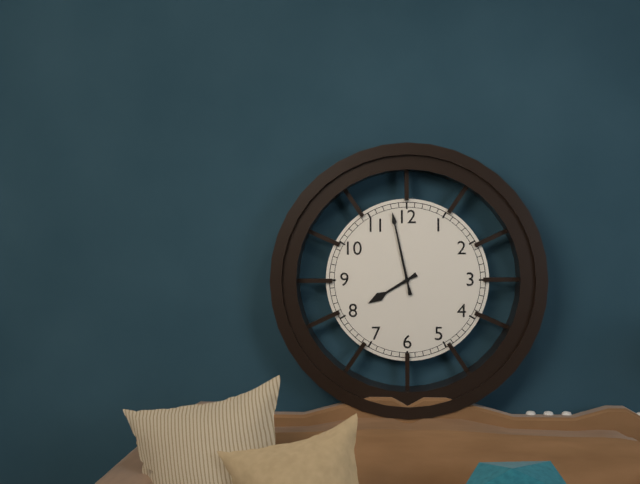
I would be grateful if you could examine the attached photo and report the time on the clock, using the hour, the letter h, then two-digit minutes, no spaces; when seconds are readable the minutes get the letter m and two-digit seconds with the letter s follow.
7h58
